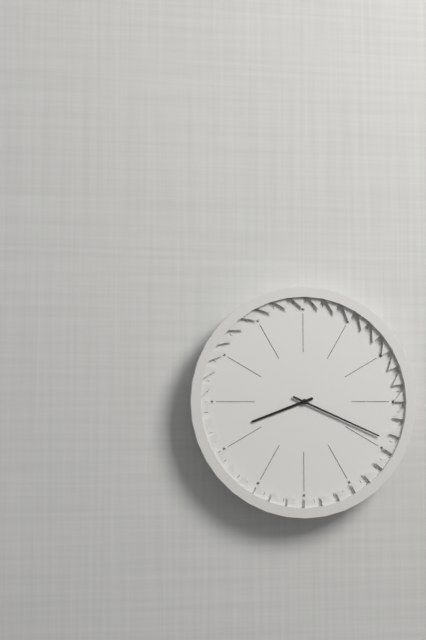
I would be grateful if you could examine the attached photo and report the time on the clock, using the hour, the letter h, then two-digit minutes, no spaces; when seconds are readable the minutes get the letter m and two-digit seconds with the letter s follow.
8h19
